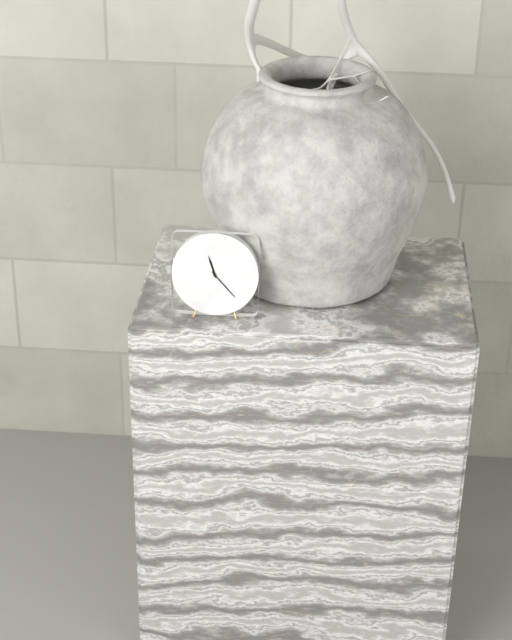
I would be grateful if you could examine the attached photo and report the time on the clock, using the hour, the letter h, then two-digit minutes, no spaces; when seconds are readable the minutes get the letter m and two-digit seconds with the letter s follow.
11h23
